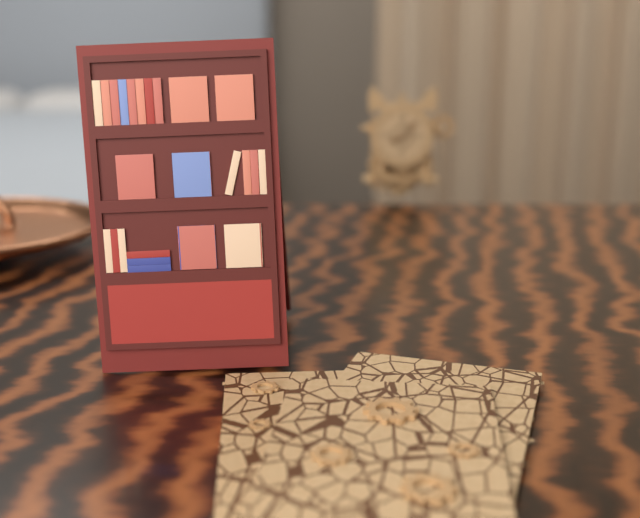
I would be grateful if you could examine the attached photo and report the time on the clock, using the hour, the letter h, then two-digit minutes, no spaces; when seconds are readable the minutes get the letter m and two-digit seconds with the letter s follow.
8h07
